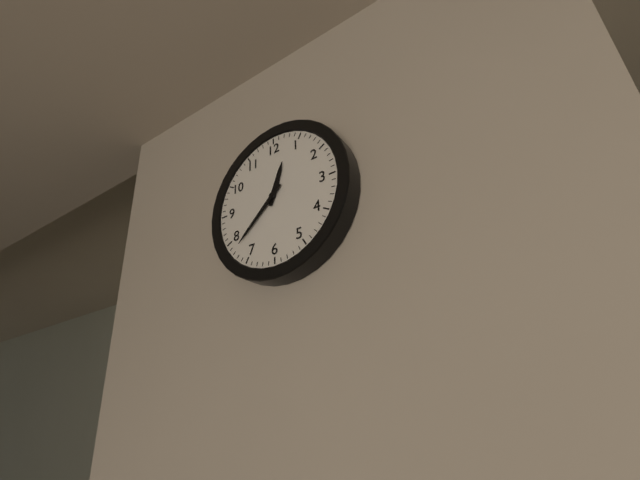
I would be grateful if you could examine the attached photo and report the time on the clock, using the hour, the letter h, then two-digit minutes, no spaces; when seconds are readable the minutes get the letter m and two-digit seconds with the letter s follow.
12h38
